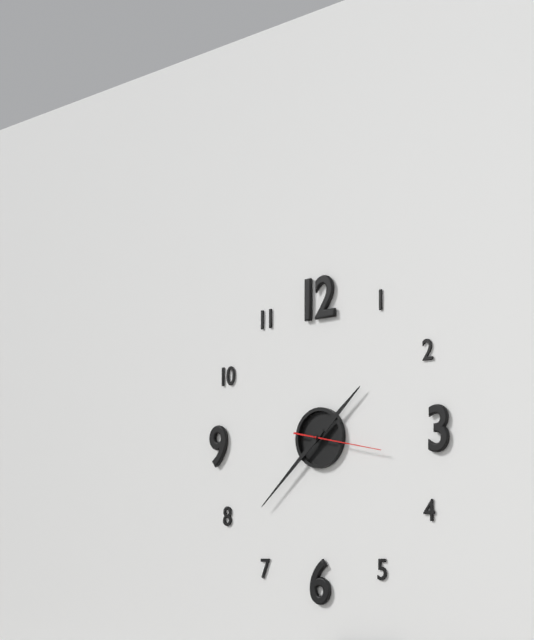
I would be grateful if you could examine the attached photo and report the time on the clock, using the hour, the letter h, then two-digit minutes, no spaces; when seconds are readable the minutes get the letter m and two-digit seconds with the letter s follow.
1h38m17s
